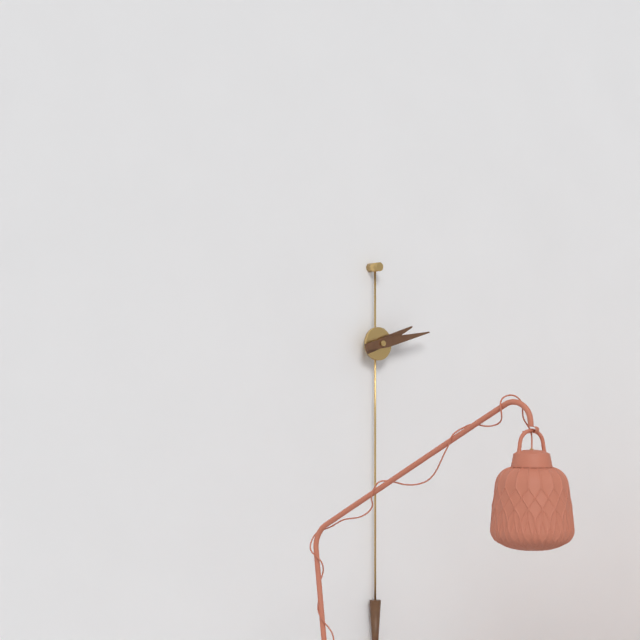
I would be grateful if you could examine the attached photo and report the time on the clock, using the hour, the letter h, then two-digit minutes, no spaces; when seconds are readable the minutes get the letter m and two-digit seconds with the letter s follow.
2h13
